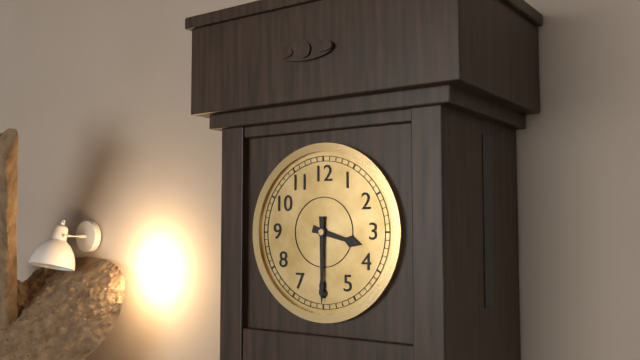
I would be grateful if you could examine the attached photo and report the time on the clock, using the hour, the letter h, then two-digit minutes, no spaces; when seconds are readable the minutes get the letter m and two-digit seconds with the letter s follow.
3h30
